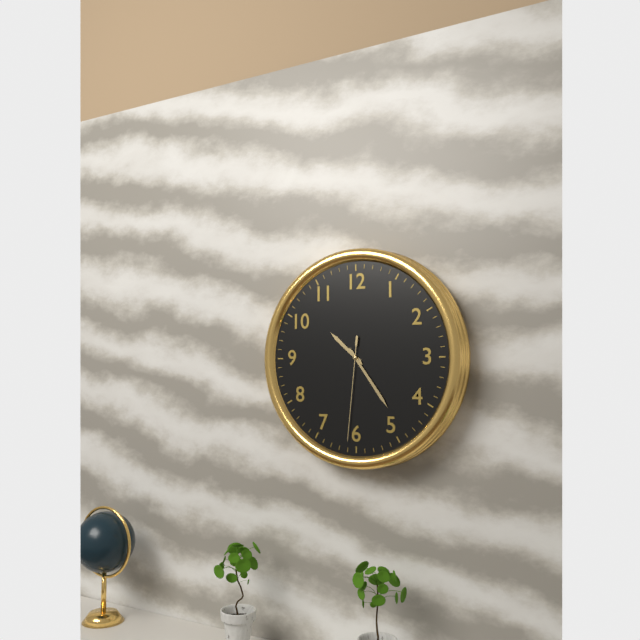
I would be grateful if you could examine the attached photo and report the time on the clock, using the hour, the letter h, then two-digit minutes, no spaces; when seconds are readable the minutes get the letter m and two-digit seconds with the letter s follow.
10h24m31s
